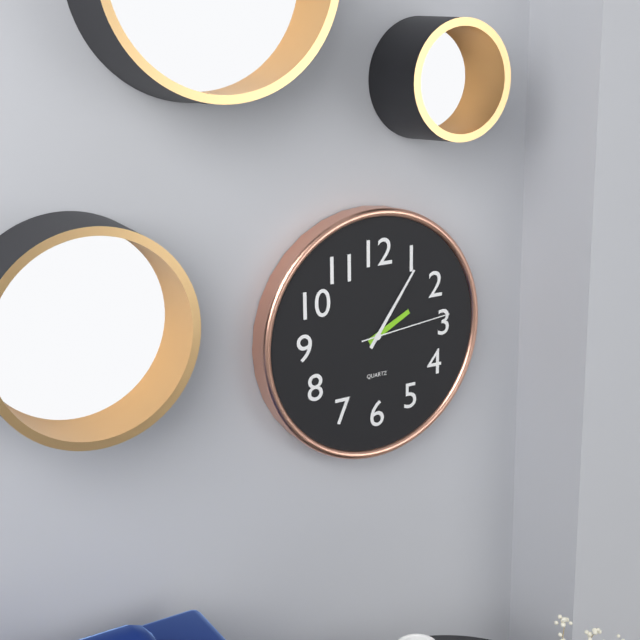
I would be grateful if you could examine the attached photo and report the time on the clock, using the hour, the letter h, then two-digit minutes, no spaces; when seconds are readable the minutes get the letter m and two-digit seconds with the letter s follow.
2h06m14s
